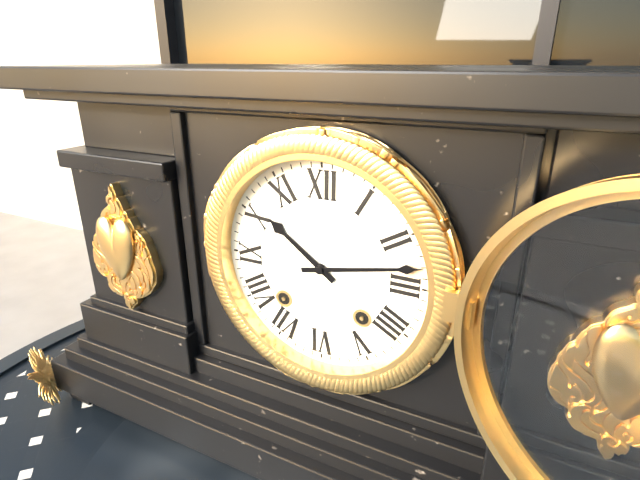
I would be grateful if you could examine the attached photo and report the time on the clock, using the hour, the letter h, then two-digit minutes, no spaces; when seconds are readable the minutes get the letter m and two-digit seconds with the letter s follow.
10h13
